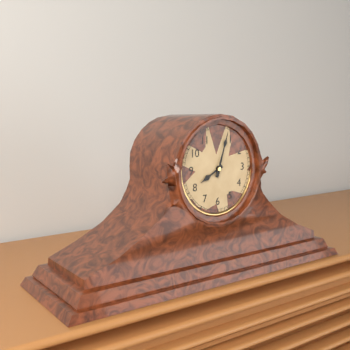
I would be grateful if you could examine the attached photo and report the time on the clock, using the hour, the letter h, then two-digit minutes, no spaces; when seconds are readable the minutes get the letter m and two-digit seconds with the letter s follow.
8h03
